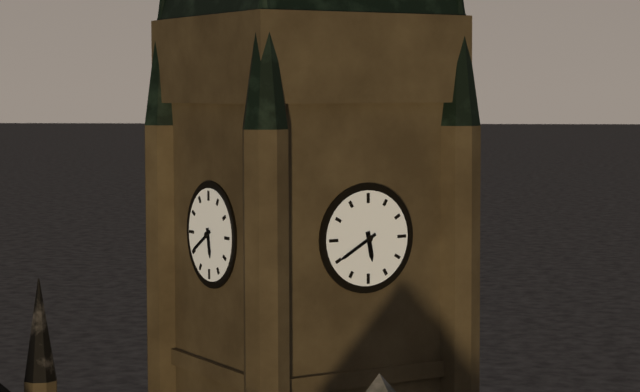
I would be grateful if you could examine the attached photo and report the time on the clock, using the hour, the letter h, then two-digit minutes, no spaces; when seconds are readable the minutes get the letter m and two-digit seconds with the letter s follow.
5h40
